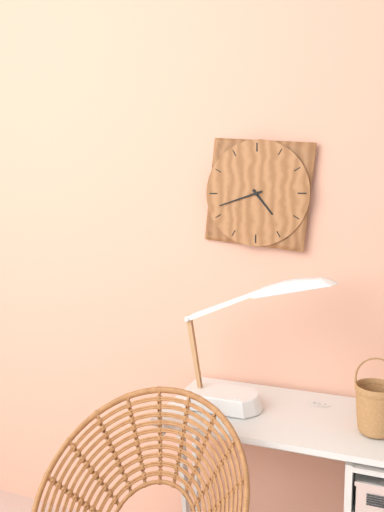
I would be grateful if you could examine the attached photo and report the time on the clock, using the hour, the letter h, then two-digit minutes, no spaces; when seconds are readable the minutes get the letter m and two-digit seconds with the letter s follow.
4h42
